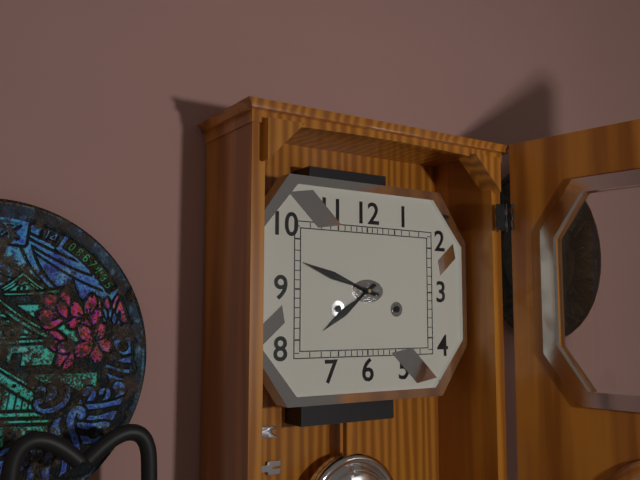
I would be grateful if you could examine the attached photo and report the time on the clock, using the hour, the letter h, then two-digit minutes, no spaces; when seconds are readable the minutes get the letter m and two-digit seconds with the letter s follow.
7h48
